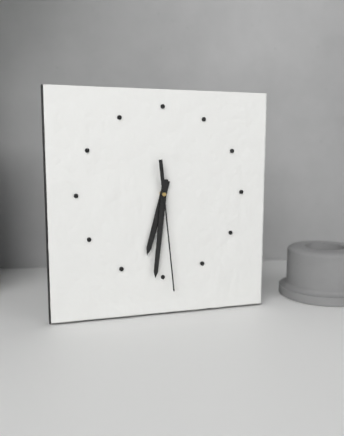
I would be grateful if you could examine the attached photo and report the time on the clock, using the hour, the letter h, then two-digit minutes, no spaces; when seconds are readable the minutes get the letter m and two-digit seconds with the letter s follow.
6h31m29s
